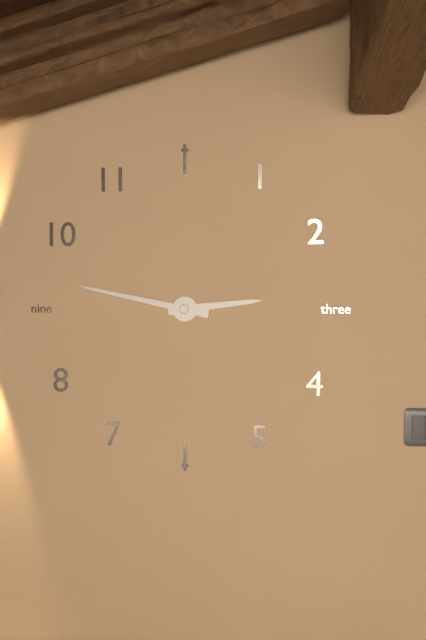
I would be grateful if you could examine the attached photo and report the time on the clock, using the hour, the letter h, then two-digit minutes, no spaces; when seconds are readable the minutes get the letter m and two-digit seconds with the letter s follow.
2h47
